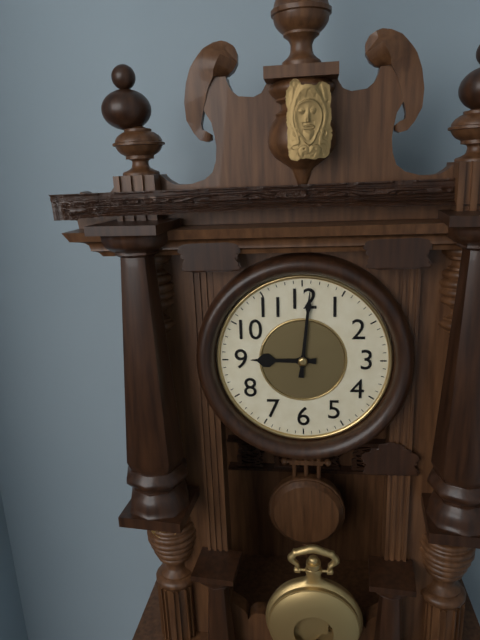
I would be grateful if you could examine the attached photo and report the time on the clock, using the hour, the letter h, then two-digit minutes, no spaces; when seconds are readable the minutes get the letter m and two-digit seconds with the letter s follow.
9h01
